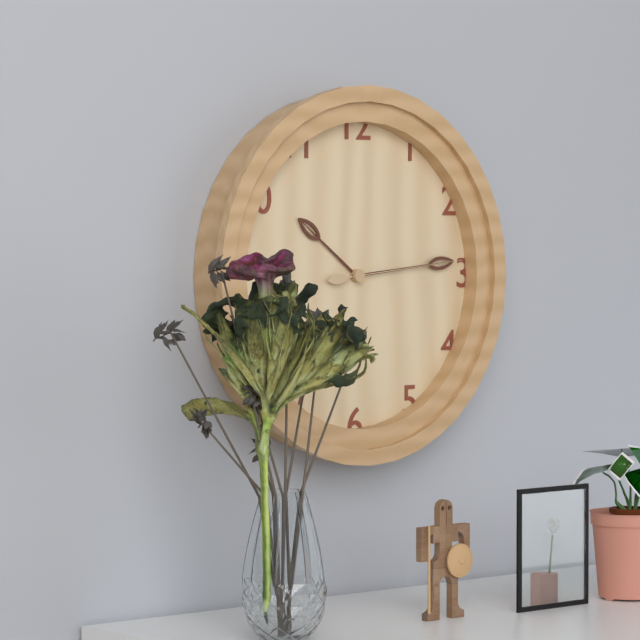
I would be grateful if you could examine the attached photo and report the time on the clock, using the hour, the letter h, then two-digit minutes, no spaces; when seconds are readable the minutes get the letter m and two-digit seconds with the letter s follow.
10h14m14s
